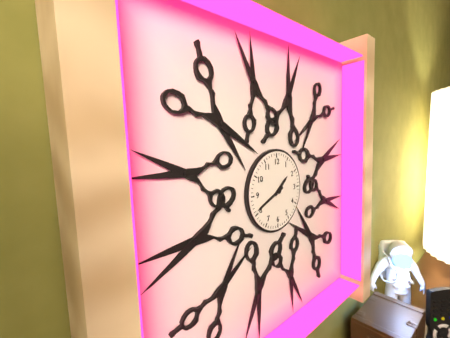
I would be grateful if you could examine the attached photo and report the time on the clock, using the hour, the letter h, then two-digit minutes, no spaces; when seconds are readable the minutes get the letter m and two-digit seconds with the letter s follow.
1h41
